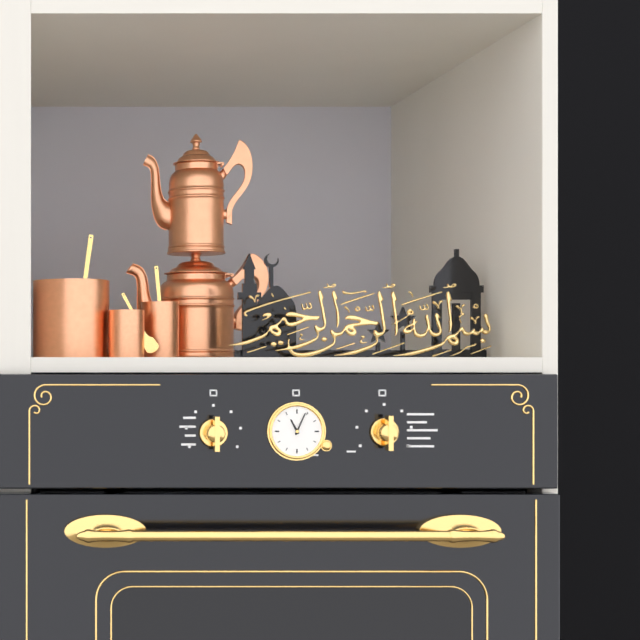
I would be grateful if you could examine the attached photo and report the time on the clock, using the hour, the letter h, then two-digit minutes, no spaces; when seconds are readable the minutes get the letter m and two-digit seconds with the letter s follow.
11h04
